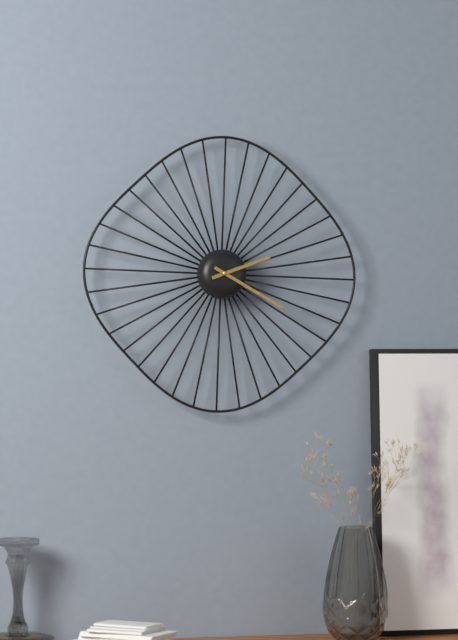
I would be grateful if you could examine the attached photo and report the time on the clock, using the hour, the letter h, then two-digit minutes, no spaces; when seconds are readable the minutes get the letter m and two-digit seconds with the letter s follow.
2h20
